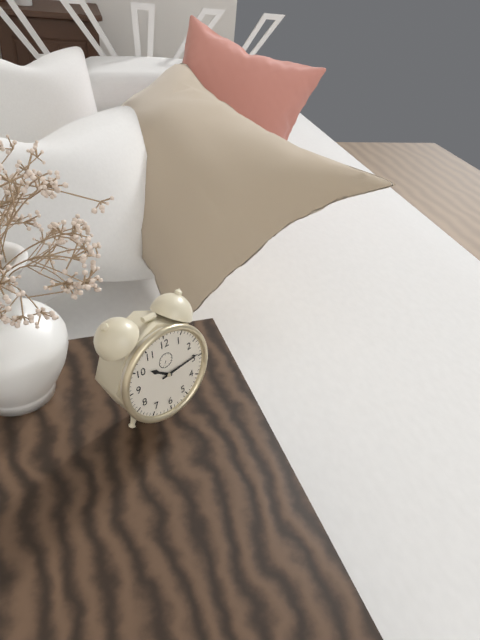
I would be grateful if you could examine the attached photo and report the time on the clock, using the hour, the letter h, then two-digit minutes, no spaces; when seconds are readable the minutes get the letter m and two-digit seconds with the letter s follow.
10h14
